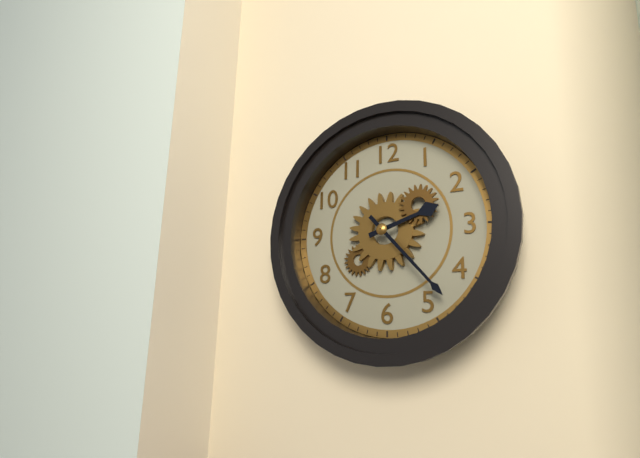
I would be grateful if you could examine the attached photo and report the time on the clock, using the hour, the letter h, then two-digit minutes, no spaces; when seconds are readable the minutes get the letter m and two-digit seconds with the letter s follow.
2h23
